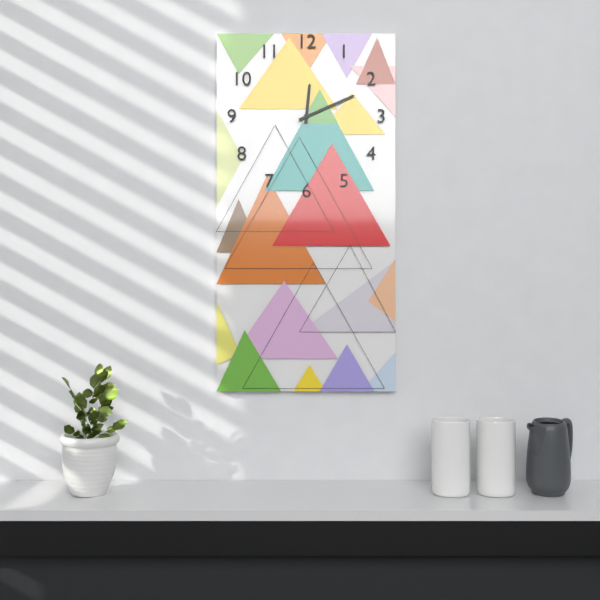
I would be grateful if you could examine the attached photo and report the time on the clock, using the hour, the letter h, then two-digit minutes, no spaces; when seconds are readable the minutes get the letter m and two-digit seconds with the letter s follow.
12h11
